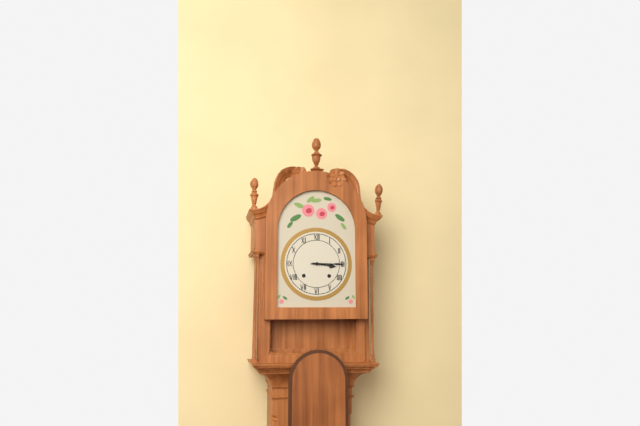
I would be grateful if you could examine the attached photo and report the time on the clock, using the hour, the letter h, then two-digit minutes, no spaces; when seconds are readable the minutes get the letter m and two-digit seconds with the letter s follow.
3h15
